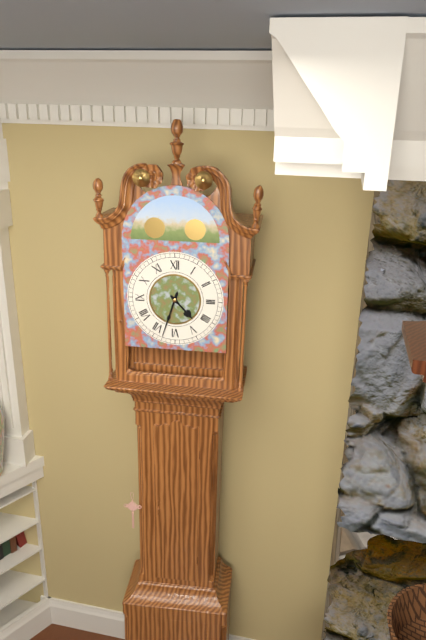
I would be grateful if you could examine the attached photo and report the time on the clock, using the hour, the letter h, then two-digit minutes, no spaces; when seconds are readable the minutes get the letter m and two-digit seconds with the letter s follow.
4h33
